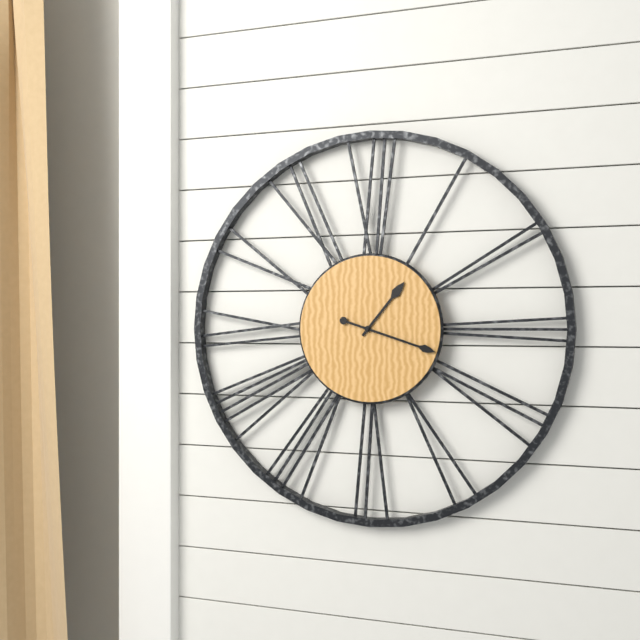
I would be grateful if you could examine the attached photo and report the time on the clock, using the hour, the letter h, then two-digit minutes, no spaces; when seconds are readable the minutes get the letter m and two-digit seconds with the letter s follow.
1h18
